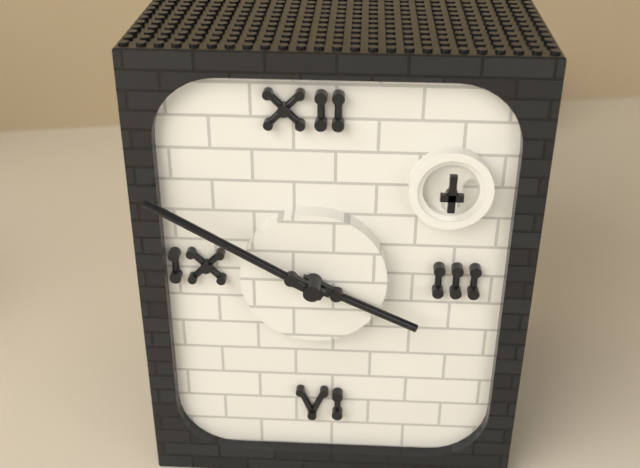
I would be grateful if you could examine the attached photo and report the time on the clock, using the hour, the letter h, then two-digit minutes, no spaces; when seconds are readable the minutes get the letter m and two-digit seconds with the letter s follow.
3h50
